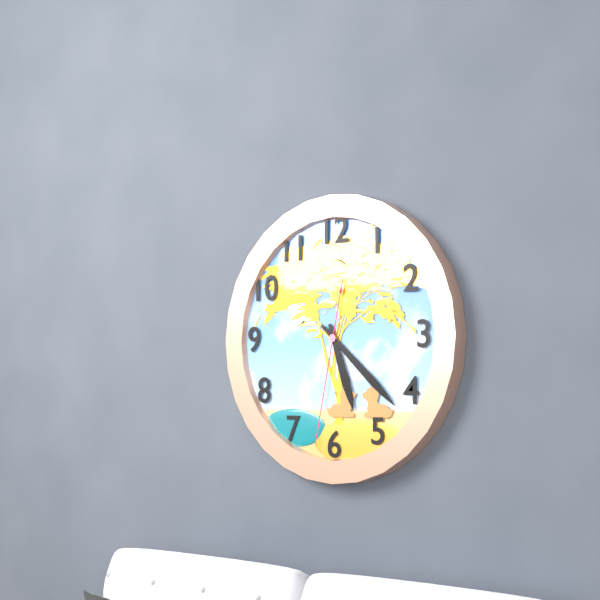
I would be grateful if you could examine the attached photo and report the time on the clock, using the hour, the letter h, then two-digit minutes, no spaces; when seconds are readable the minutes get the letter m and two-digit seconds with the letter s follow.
5h22m32s
